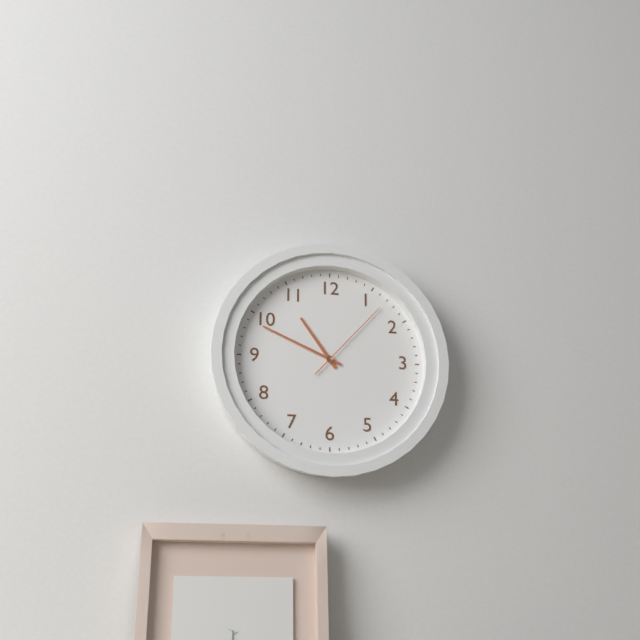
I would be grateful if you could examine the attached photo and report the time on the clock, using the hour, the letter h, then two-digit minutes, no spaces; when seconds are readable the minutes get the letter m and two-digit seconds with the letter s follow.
10h49m07s
